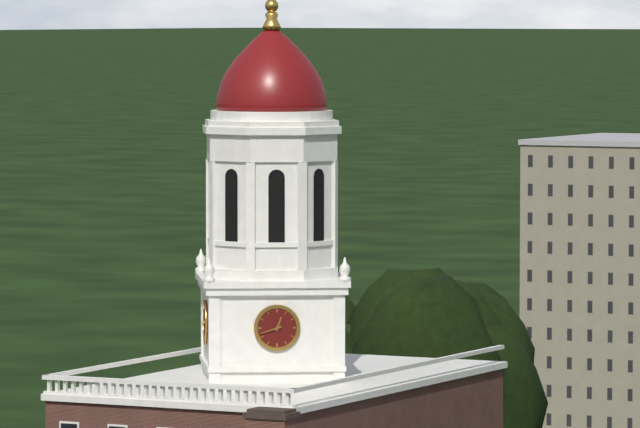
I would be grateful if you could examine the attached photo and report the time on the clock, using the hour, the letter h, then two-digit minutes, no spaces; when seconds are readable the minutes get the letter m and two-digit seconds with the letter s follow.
12h42
